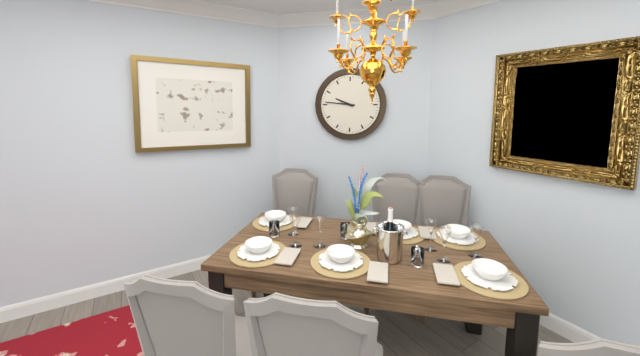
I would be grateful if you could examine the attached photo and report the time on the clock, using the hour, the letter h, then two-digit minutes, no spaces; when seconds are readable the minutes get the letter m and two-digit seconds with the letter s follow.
9h46
